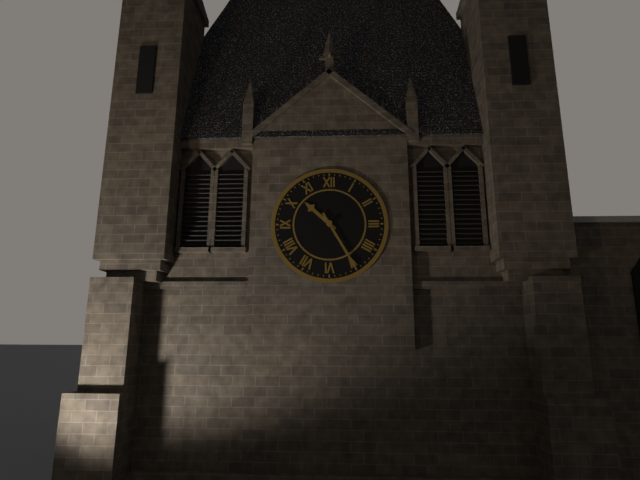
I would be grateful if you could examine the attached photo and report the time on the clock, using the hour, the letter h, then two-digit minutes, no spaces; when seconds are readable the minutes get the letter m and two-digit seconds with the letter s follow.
10h25
